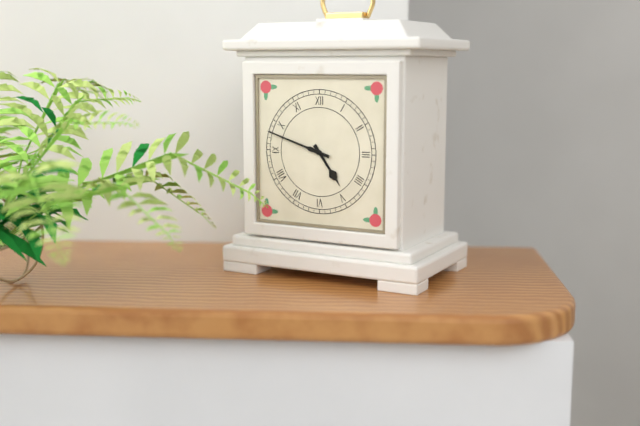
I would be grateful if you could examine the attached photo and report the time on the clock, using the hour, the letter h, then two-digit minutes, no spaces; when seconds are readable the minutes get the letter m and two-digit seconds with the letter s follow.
4h48
